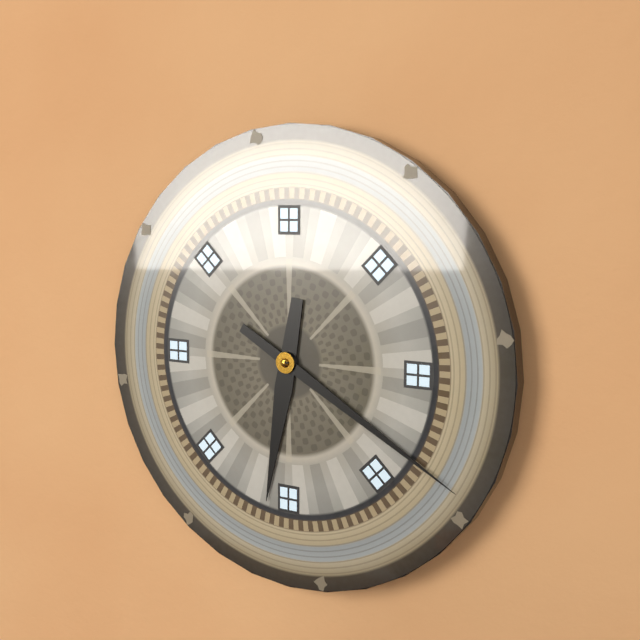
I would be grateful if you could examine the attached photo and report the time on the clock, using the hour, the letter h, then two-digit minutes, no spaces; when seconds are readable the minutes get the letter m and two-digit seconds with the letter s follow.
6h20
